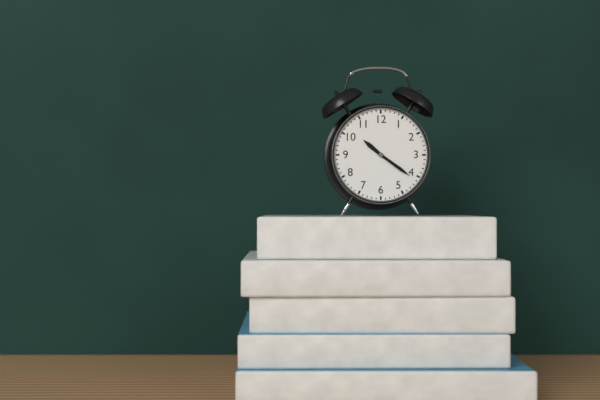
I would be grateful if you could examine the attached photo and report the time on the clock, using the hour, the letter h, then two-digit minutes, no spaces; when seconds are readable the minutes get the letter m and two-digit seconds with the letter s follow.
10h21
